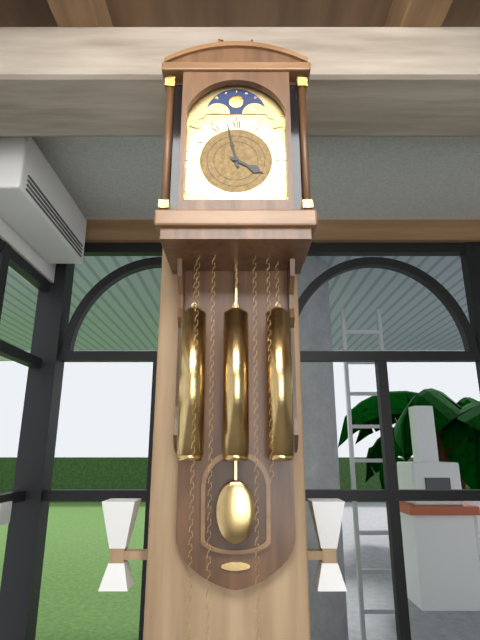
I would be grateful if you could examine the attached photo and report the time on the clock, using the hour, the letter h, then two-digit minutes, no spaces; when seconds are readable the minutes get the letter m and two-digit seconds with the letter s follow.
3h58
